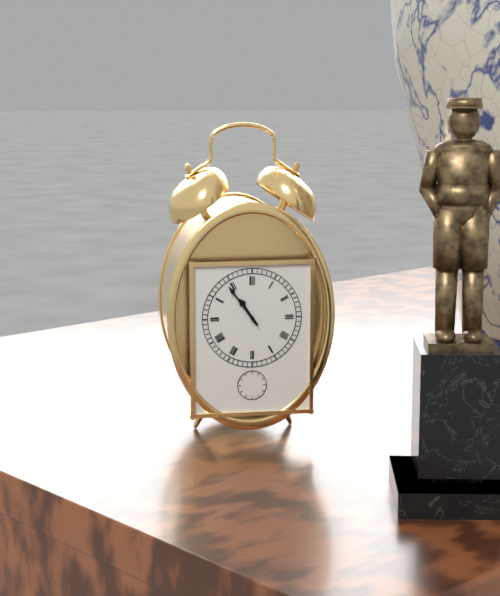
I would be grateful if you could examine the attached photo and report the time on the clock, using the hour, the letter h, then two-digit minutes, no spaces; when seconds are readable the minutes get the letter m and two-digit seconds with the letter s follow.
10h54
